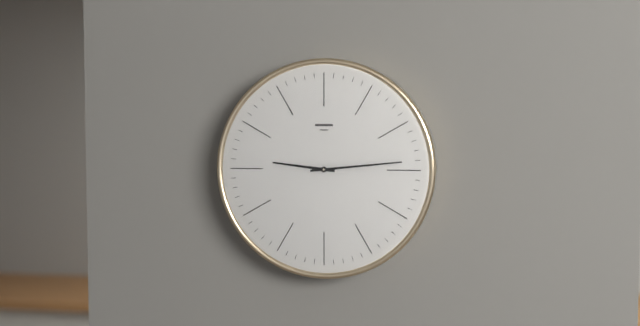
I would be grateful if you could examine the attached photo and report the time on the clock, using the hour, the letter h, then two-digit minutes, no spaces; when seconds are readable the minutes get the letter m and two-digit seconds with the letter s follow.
9h14
